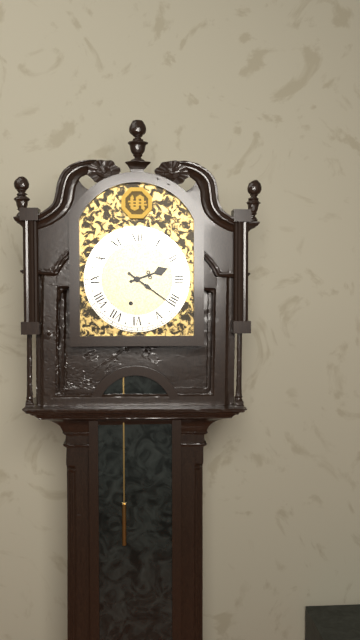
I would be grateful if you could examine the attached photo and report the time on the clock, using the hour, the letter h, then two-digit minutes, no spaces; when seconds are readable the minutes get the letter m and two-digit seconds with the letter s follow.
2h21
